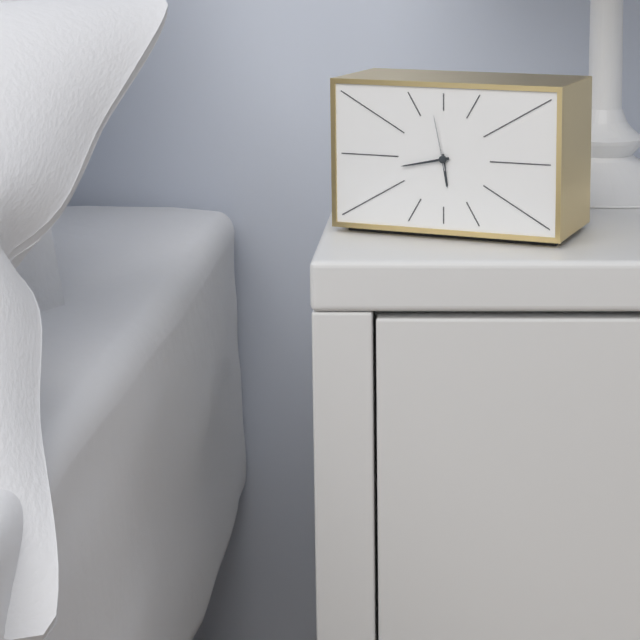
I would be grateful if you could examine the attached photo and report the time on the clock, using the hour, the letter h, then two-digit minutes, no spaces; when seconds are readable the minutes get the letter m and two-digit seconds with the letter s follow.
5h43m58s
